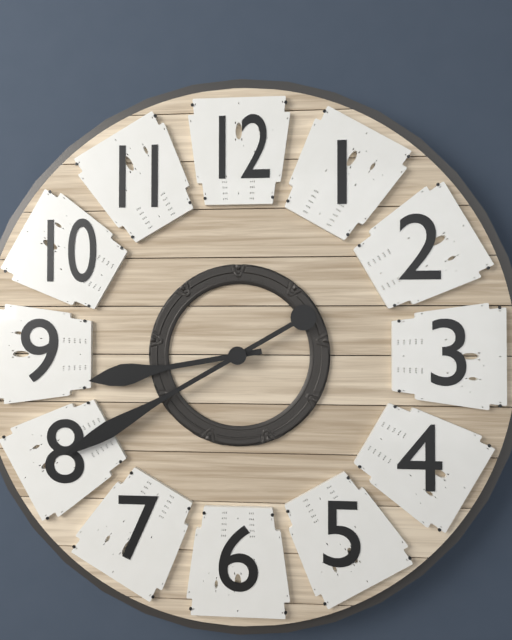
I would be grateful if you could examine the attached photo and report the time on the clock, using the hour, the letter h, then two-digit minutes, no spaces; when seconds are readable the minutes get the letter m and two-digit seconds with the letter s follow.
8h40
